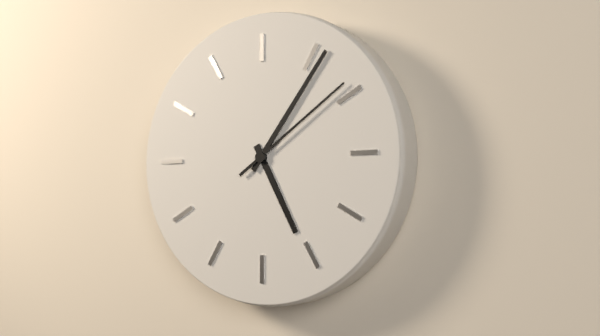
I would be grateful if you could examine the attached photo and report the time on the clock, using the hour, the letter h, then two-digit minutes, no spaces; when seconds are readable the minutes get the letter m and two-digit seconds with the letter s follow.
5h06m09s
